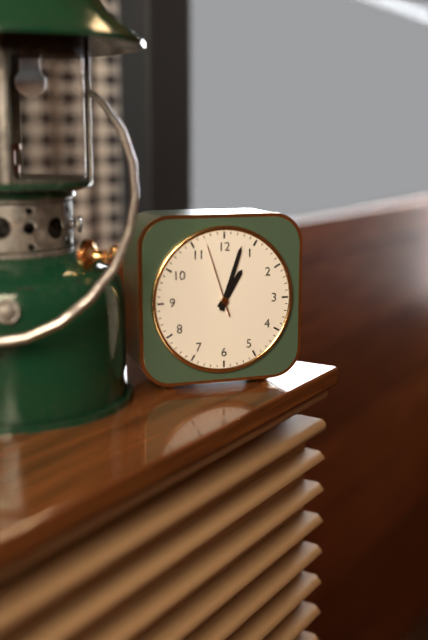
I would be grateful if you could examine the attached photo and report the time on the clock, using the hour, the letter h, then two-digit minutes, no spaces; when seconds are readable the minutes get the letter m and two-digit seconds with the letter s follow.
1h03m57s
